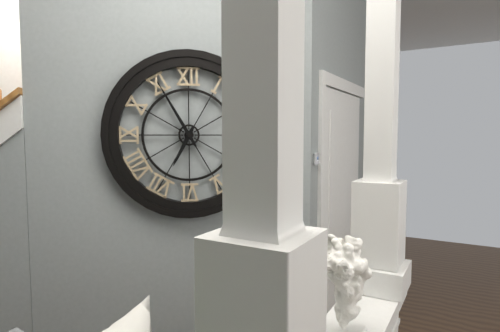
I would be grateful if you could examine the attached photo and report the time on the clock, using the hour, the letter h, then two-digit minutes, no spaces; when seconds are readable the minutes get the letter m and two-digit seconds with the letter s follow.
6h55
